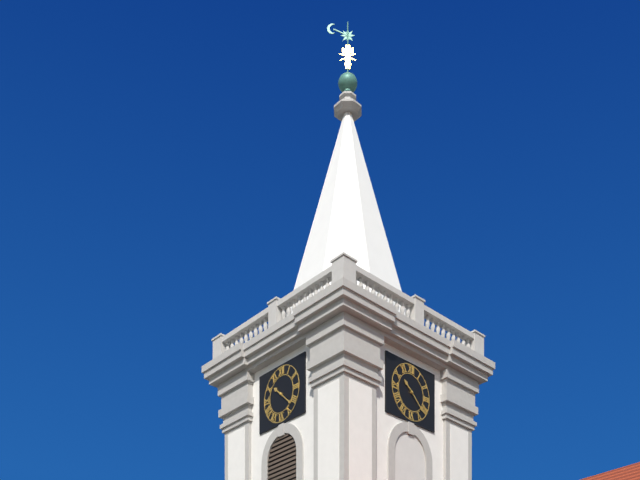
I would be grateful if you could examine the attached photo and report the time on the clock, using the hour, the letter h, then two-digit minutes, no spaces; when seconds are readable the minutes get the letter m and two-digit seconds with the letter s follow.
10h22
